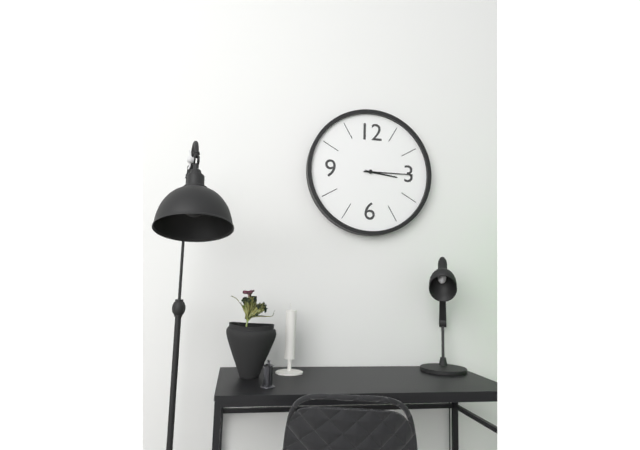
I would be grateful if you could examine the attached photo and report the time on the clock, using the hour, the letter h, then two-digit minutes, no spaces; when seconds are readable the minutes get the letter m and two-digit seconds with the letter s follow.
3h15
